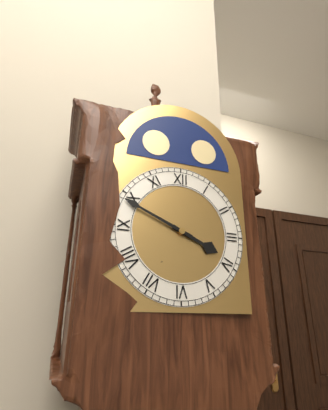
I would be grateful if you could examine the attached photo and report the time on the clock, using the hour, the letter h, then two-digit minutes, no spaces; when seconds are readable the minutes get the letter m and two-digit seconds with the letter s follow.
3h49
